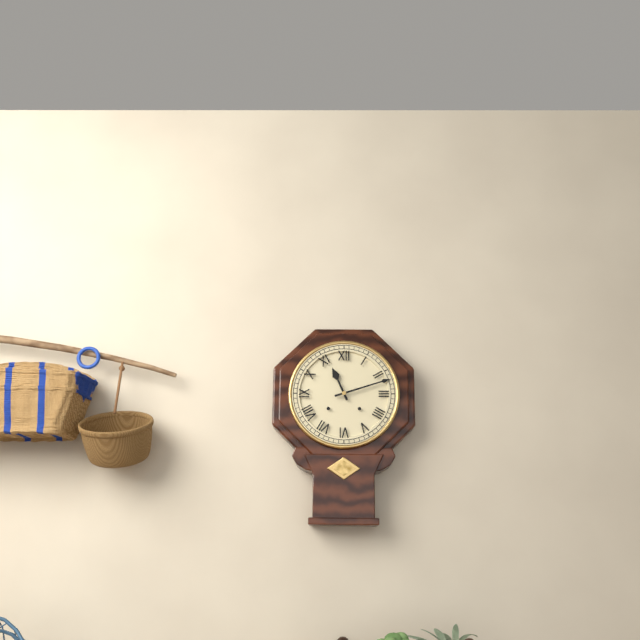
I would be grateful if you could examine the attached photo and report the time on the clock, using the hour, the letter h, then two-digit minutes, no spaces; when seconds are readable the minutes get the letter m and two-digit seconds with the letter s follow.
11h12
